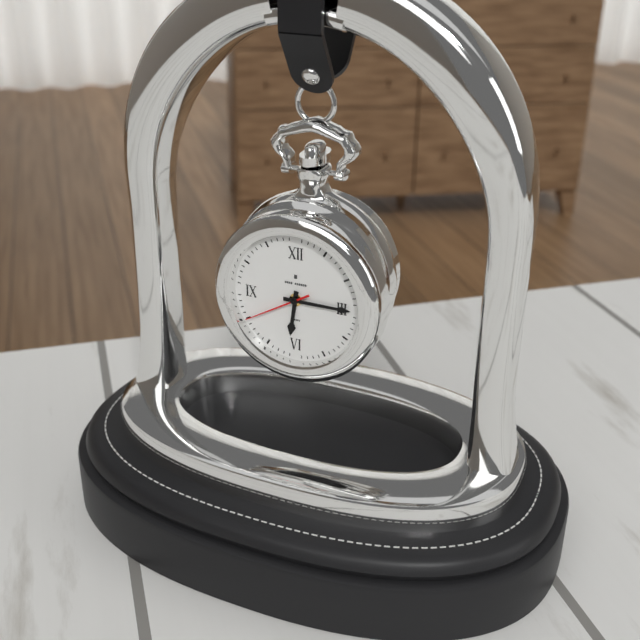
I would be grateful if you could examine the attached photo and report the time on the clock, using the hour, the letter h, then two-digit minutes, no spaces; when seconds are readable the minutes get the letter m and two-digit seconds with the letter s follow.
6h15m40s
